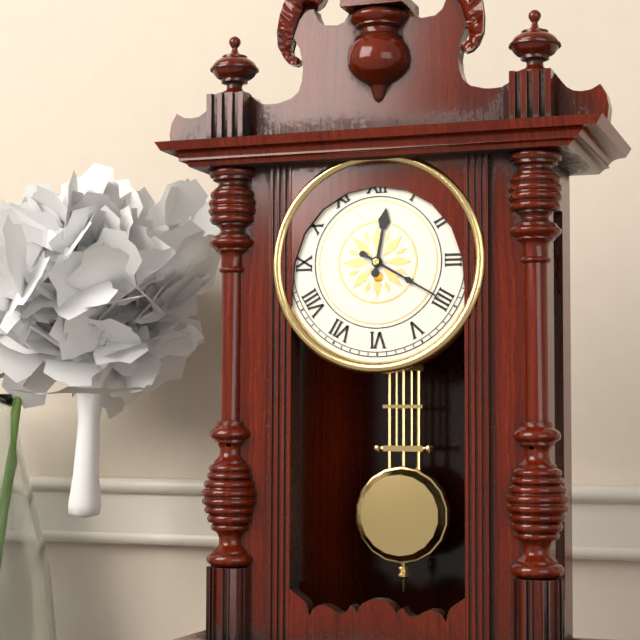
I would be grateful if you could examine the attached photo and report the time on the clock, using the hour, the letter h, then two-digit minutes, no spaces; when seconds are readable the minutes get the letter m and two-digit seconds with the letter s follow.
12h20
